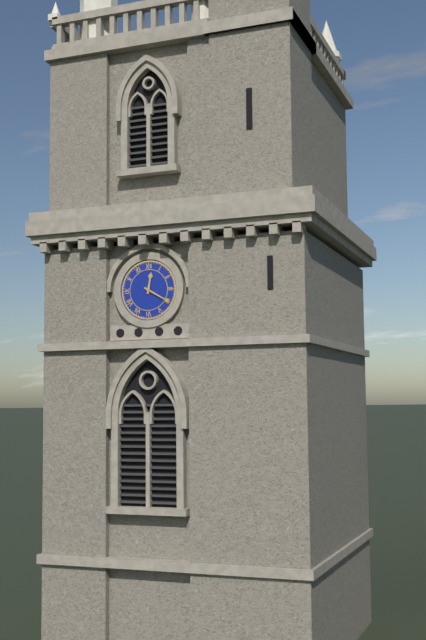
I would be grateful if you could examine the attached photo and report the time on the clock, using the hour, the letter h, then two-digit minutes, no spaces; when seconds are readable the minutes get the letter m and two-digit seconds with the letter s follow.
12h20
